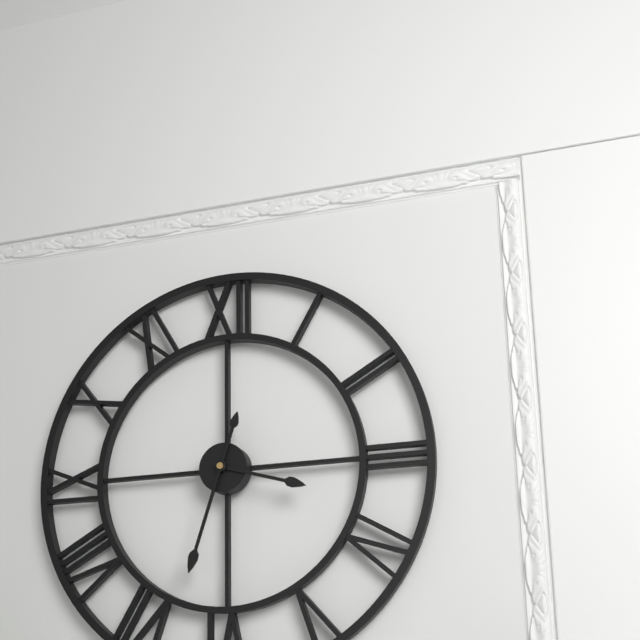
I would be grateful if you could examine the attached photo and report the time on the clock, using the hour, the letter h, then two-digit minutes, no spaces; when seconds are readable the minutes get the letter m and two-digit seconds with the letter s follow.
3h33
